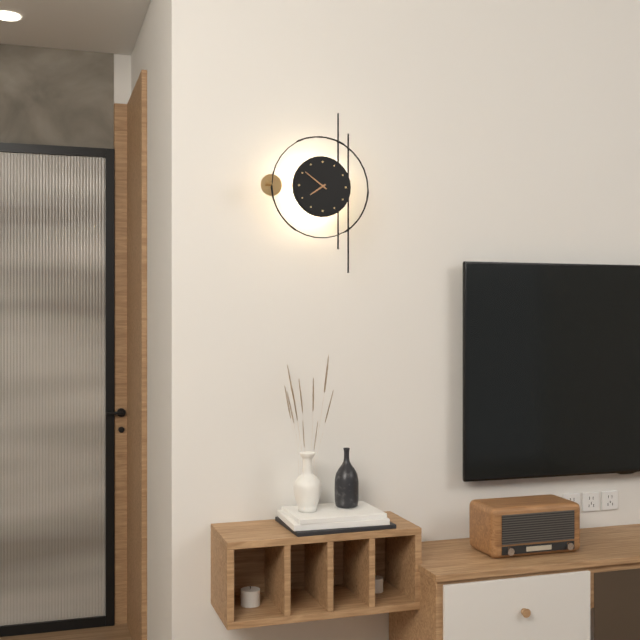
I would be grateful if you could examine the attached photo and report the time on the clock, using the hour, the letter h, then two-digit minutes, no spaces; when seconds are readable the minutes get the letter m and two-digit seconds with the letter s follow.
7h51
